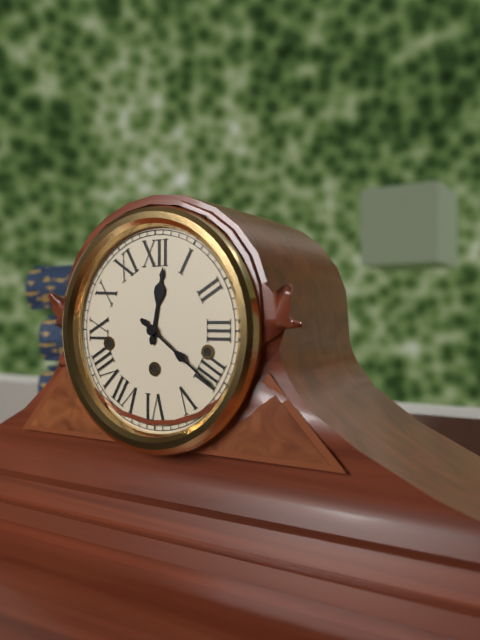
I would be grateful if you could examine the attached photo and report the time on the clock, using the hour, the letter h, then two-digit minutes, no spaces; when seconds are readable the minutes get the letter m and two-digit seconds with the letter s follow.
12h21
